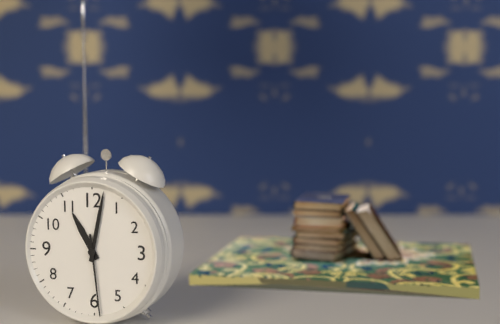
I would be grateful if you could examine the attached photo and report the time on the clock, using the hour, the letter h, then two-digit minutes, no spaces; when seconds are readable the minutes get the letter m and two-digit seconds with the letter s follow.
11h02m29s
